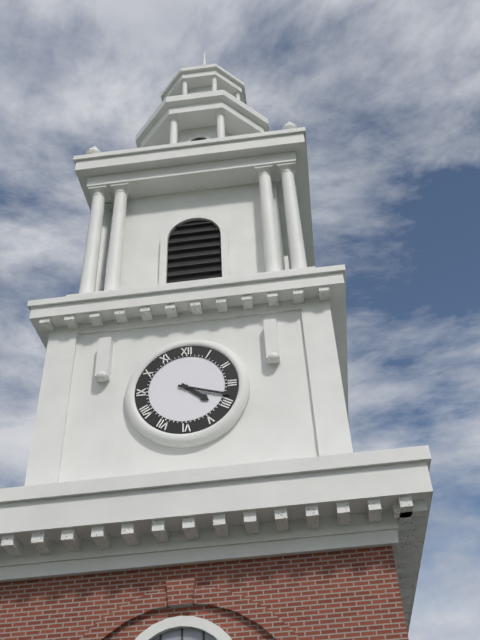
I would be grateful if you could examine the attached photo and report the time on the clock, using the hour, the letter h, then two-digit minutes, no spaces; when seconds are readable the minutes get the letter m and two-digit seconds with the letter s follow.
4h18
